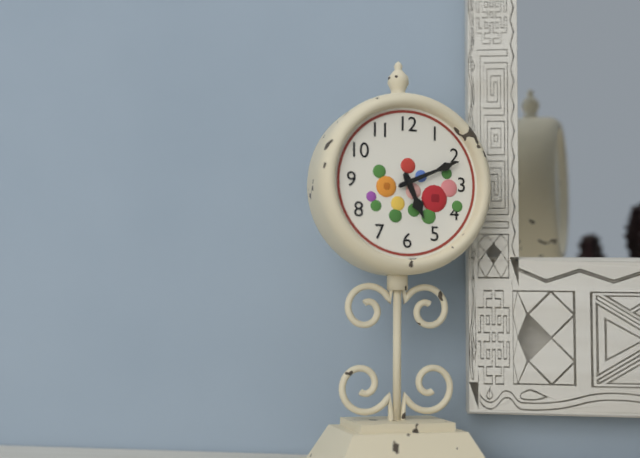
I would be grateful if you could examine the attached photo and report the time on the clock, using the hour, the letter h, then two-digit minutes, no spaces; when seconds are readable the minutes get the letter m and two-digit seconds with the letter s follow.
5h11
